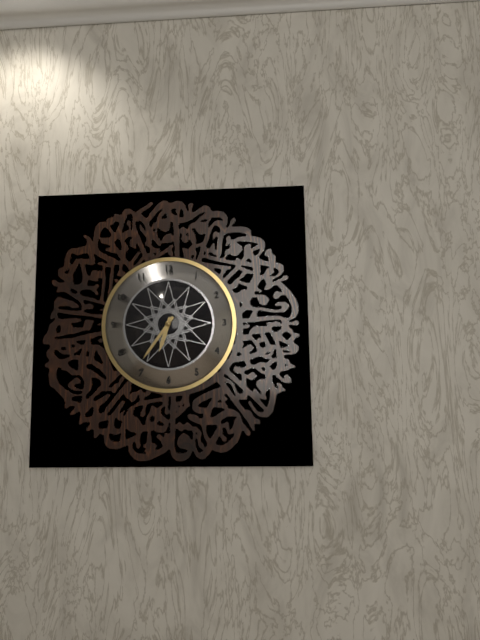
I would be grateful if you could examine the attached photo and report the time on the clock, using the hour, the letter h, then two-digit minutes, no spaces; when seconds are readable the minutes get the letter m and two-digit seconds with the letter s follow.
6h36
